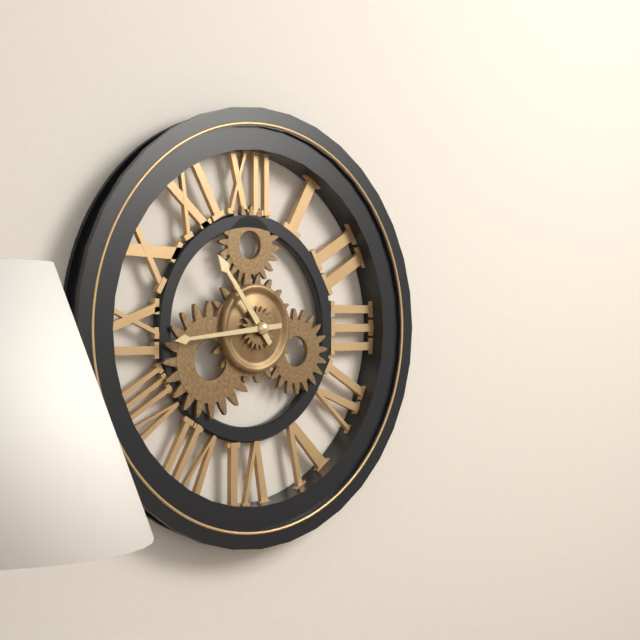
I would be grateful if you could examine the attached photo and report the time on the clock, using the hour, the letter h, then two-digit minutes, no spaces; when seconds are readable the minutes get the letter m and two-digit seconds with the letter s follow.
10h44
